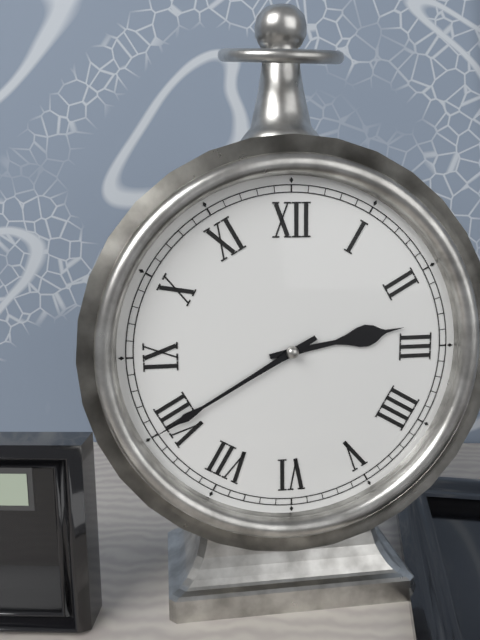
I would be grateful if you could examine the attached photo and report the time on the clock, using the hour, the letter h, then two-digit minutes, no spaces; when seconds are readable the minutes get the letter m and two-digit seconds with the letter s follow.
2h40
